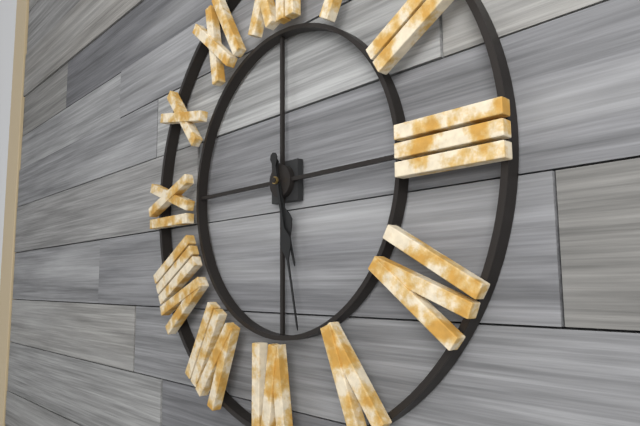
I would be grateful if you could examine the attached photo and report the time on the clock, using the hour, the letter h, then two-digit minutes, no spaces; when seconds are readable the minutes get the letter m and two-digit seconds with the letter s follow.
5h28
